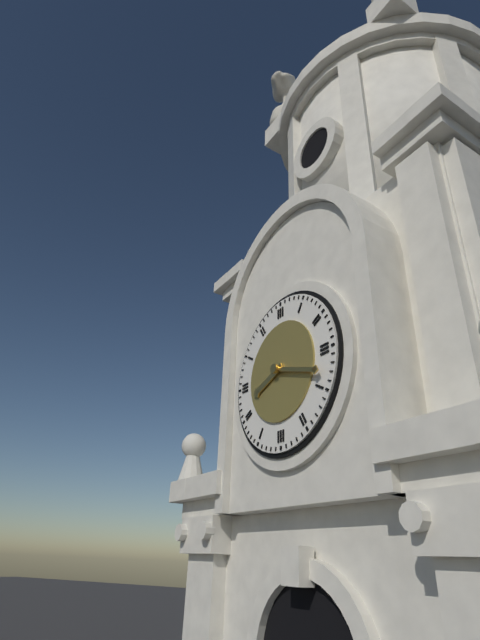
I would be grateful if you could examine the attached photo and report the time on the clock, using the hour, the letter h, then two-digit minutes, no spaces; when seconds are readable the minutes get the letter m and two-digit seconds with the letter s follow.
8h18
